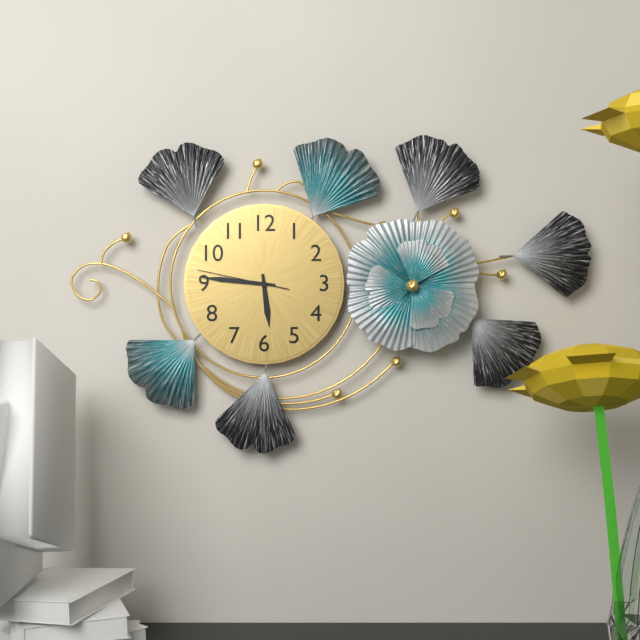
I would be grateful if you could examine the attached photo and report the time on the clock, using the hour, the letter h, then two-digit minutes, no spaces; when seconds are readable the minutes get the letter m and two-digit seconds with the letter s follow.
5h46m47s
